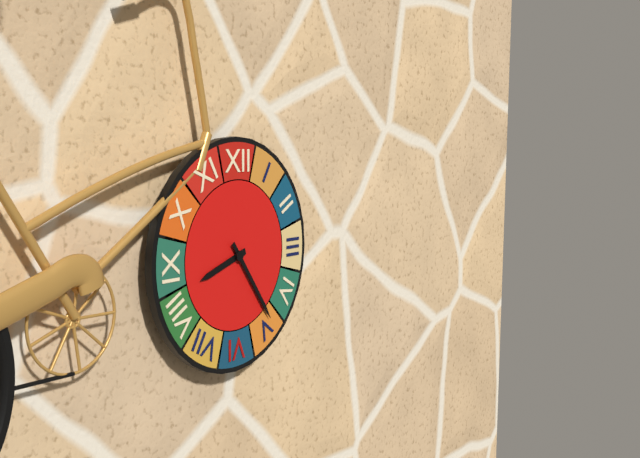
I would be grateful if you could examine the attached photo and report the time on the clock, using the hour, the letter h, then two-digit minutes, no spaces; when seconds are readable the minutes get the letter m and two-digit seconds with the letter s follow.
8h24
